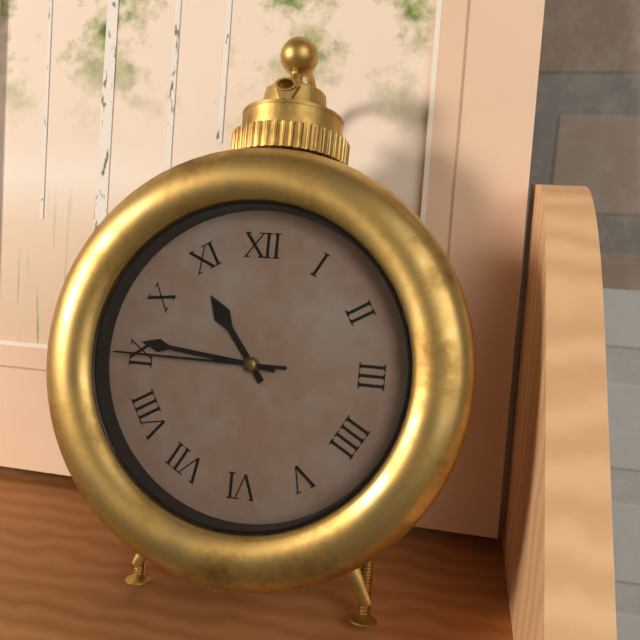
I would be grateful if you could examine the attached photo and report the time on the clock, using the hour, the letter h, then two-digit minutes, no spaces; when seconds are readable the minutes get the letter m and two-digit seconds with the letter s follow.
10h46m45s
